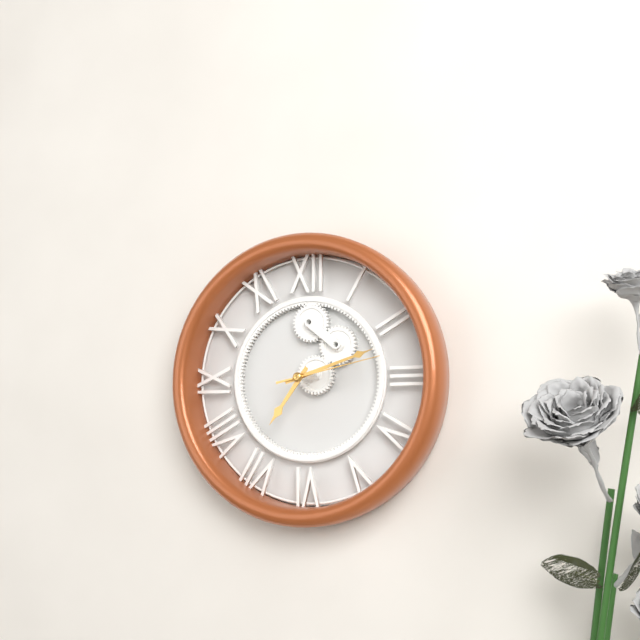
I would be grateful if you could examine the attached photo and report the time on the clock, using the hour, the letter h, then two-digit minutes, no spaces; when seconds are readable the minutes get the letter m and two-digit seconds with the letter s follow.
7h12m13s
